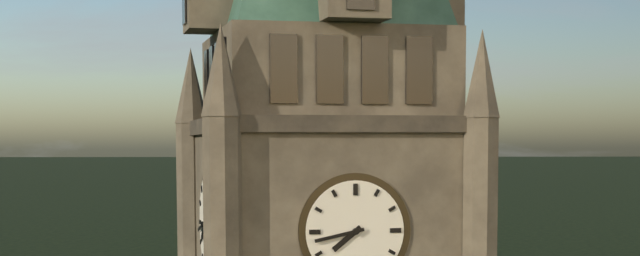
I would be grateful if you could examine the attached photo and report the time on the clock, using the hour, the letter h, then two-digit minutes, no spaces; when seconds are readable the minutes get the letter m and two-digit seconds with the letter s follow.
7h43
